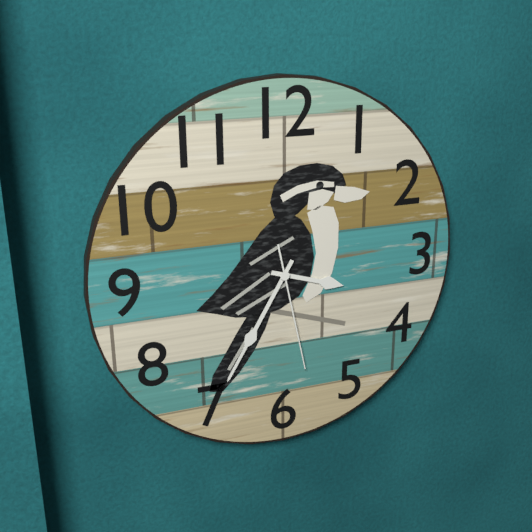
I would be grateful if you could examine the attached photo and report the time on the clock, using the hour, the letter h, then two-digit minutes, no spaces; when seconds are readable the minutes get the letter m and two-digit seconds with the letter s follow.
3h35m28s
